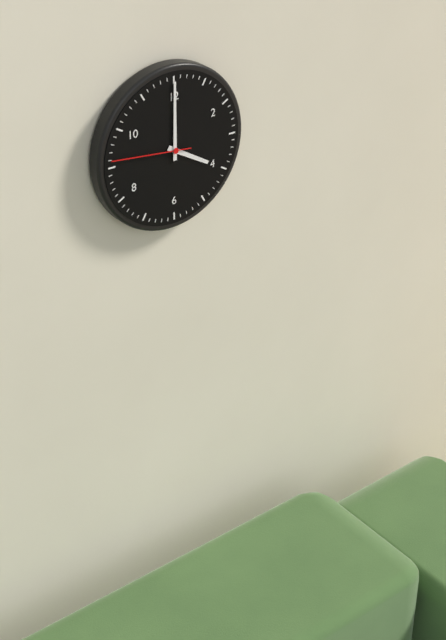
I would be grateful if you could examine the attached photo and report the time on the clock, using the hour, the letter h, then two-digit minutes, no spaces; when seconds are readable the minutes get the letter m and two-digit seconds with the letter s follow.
4h00m46s
